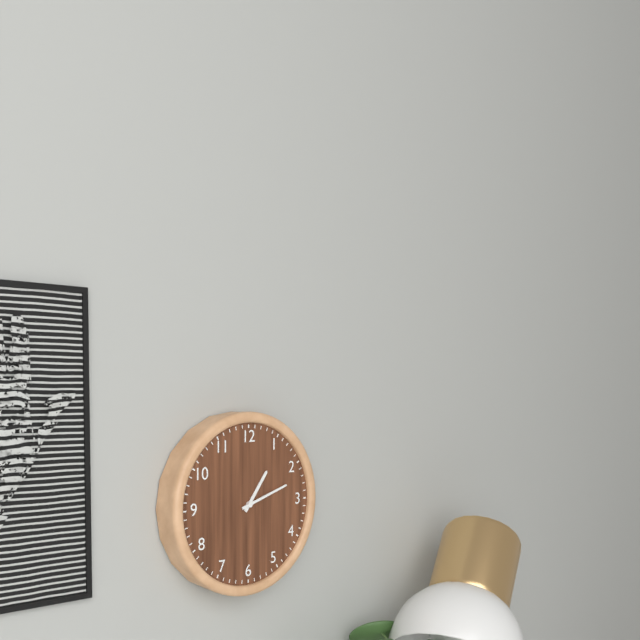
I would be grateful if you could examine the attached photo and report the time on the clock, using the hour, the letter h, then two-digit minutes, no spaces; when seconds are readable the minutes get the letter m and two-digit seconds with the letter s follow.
1h12
